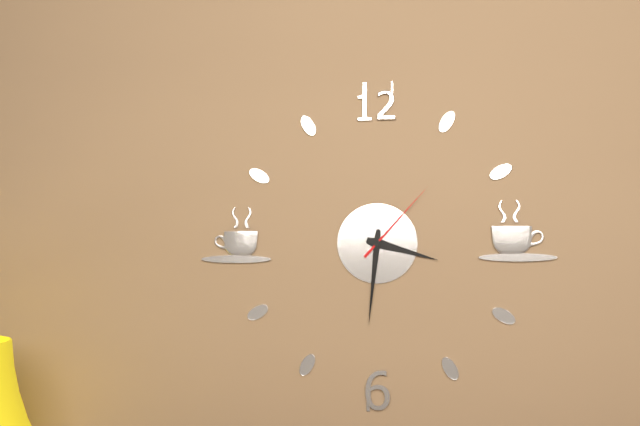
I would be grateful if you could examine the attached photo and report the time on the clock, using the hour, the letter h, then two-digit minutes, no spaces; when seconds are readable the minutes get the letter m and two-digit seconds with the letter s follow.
3h31m07s
